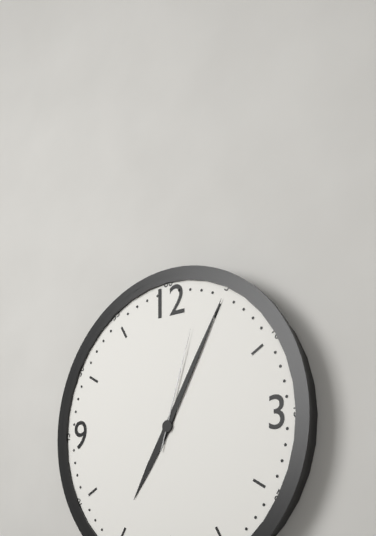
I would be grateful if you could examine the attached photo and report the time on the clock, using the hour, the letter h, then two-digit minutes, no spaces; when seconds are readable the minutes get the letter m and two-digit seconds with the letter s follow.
7h05m03s
